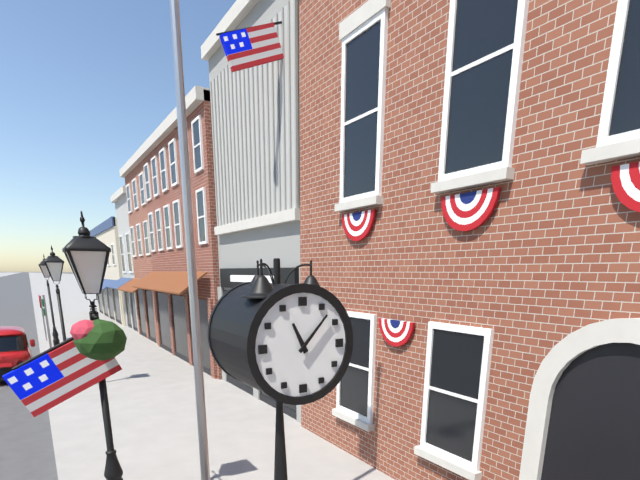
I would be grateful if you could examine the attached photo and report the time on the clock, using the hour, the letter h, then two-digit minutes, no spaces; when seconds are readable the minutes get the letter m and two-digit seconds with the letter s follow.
11h07
